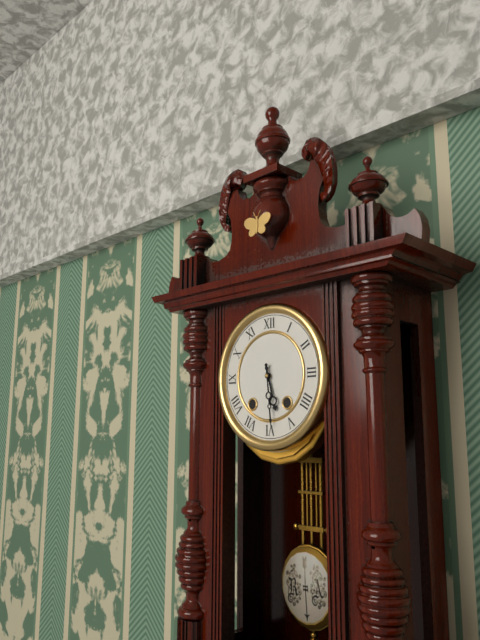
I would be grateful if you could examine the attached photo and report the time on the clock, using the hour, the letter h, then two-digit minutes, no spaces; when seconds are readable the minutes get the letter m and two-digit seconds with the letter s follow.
5h29
